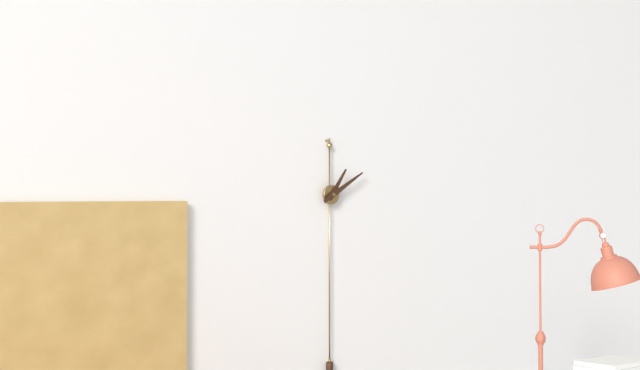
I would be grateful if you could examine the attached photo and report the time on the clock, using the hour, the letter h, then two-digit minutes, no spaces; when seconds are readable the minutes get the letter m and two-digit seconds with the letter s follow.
1h10
